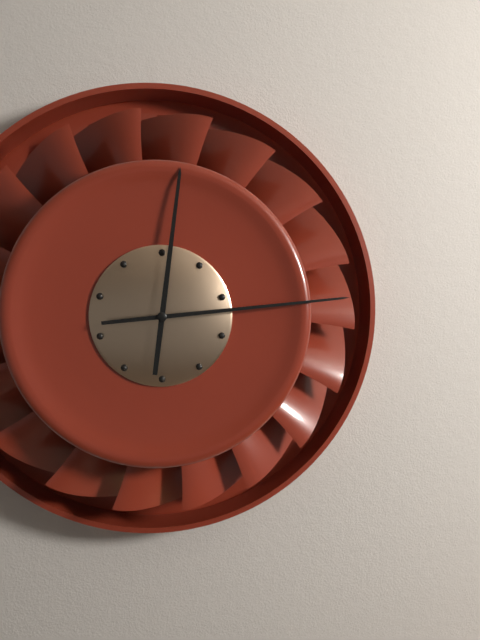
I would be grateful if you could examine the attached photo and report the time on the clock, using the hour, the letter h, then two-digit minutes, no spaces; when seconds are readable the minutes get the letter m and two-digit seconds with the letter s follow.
12h14
